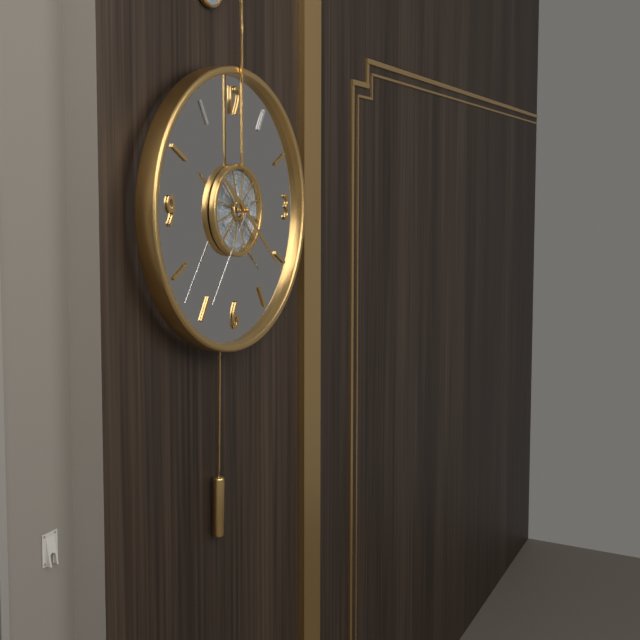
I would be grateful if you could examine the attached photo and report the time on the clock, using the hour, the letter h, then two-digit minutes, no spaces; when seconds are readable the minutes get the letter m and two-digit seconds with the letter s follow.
10h22m36s
